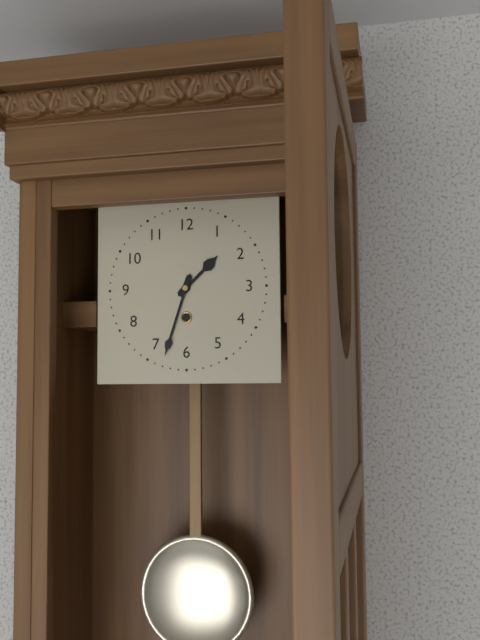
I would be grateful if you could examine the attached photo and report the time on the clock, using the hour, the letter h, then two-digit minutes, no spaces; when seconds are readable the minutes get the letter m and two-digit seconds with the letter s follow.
1h33
